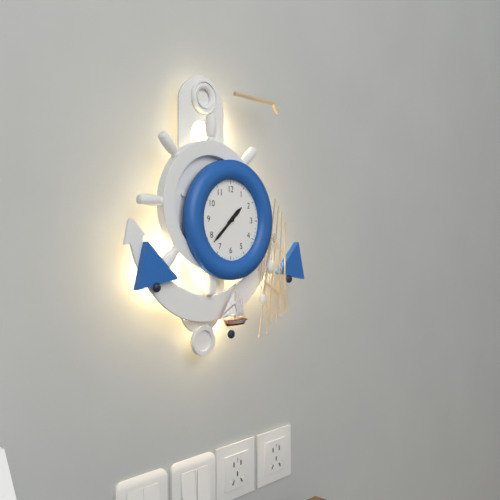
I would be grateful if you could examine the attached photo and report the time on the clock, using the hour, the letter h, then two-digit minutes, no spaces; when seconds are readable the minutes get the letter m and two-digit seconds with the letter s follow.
1h38
